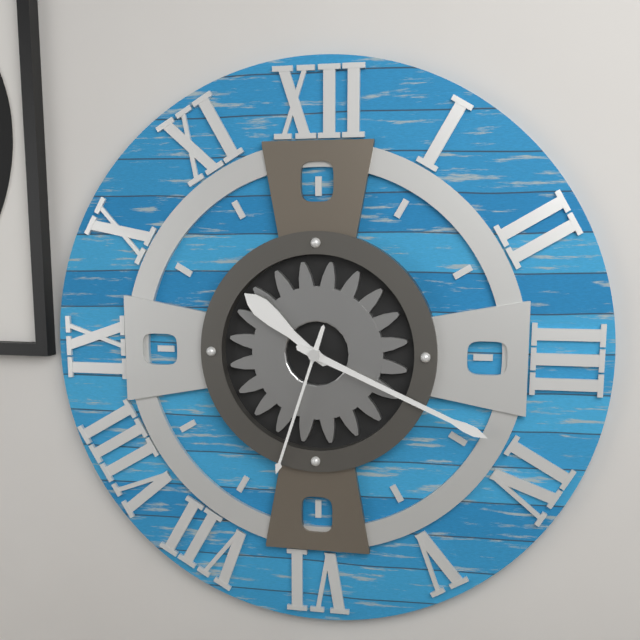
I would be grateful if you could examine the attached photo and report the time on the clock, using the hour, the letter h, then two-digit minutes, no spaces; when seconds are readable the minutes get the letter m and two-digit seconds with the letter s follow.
10h19m33s
